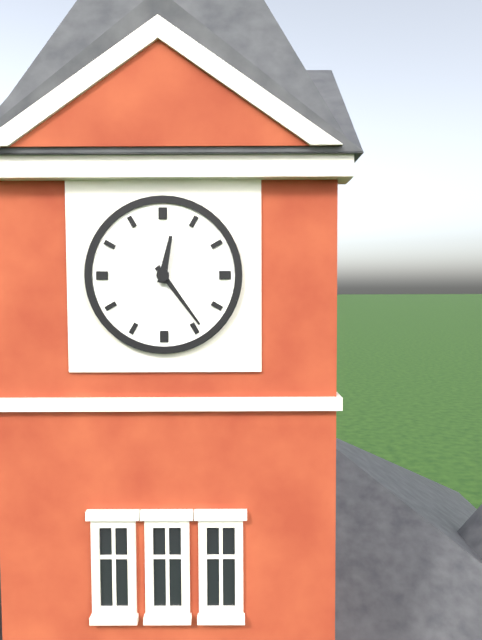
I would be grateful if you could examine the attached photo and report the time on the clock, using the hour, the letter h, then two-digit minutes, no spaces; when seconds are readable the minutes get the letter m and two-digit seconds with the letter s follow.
12h24
